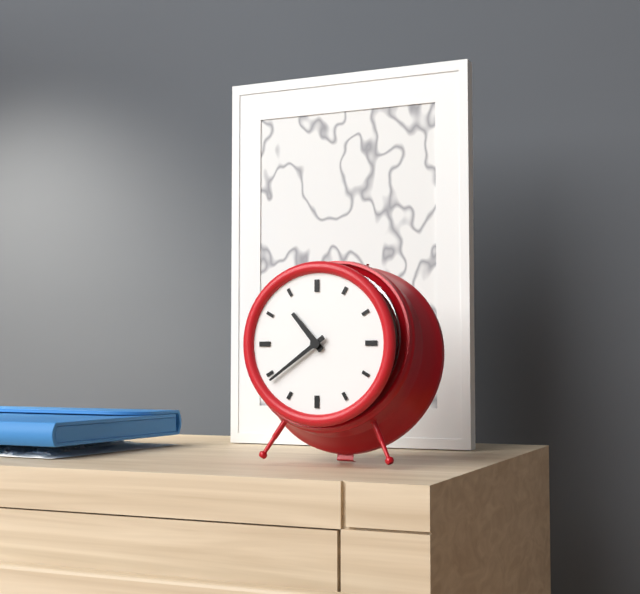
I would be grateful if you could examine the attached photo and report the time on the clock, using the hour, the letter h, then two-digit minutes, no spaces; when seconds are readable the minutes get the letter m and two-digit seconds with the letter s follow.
10h39
